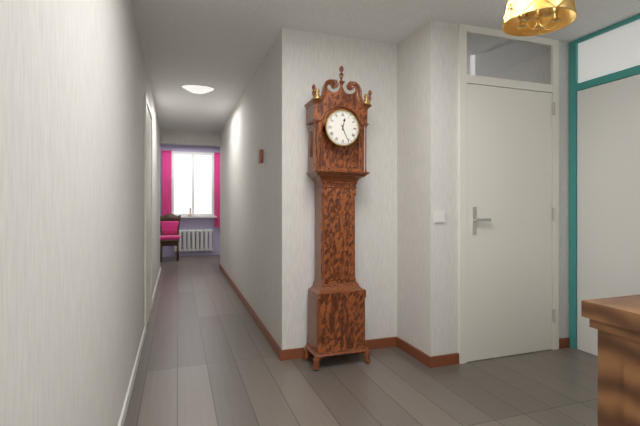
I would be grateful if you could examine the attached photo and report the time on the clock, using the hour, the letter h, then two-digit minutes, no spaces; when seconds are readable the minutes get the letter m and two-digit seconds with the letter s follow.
12h26
